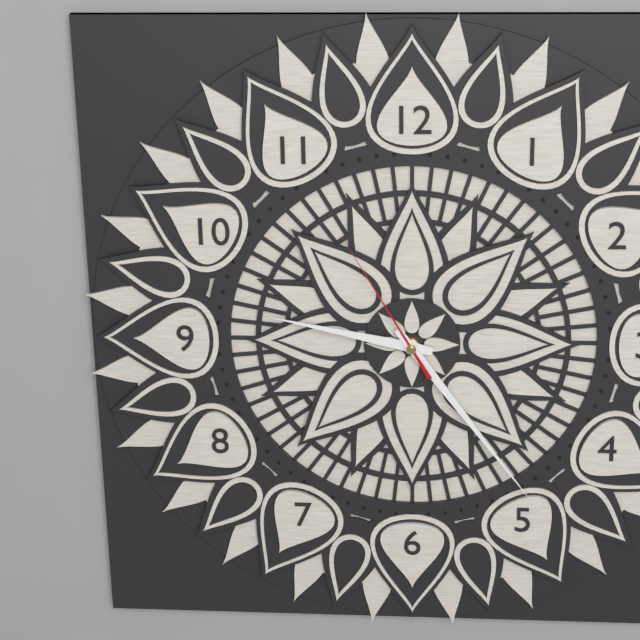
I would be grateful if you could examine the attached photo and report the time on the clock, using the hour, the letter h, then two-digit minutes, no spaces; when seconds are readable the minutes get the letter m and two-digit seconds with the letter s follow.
9h24m55s
